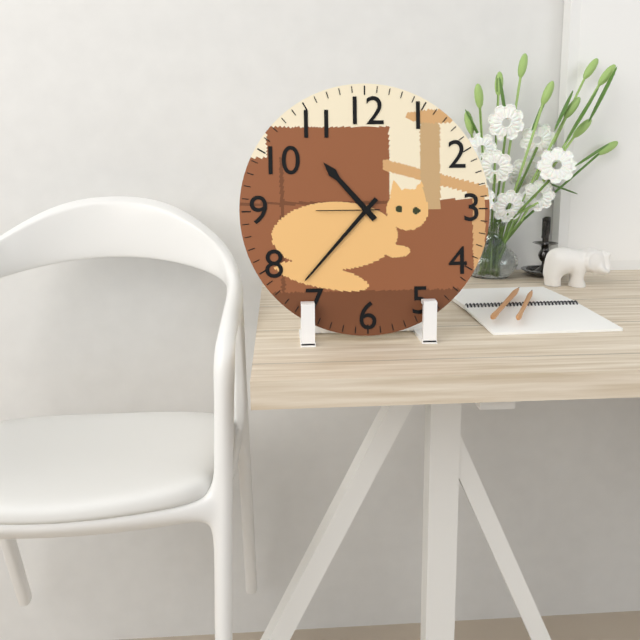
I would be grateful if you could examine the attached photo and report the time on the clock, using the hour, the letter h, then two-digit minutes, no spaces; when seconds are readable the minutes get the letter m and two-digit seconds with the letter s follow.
10h37m45s
